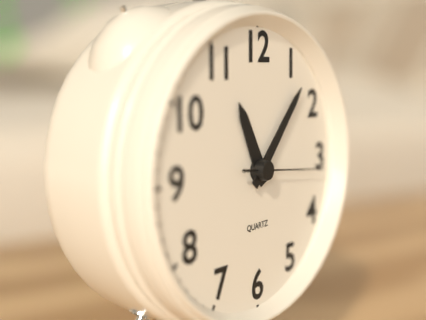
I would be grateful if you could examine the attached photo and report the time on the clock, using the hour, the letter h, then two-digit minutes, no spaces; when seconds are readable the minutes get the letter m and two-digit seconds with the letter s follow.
11h07m16s
